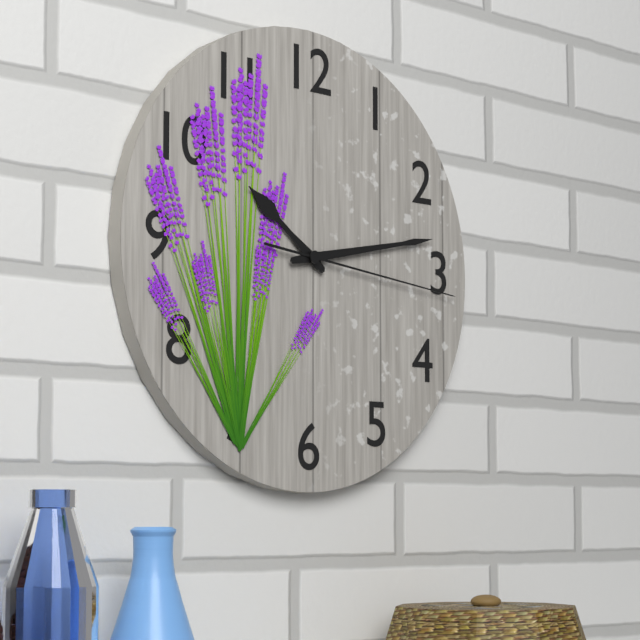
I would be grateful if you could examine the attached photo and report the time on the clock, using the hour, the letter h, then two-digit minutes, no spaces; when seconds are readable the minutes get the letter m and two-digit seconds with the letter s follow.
10h13m16s
